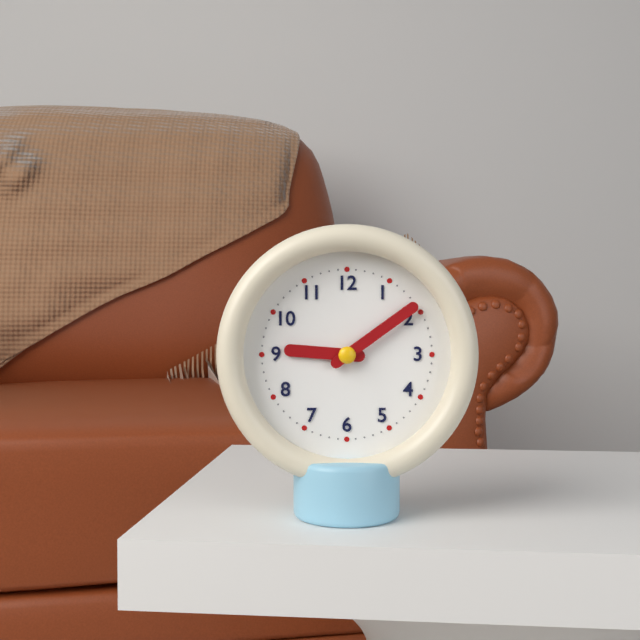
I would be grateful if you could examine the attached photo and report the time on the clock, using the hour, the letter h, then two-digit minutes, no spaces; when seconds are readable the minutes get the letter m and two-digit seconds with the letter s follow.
9h09
